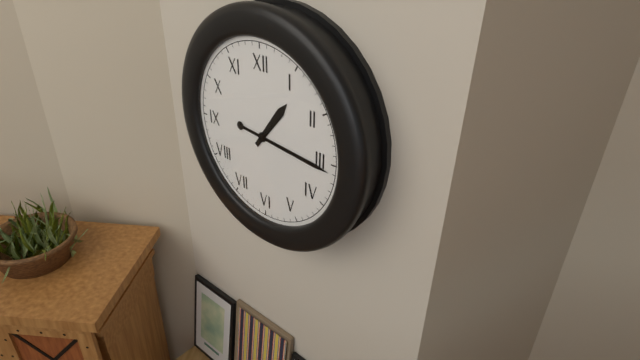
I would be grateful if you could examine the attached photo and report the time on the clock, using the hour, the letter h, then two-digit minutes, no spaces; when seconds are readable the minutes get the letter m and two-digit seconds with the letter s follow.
1h16
